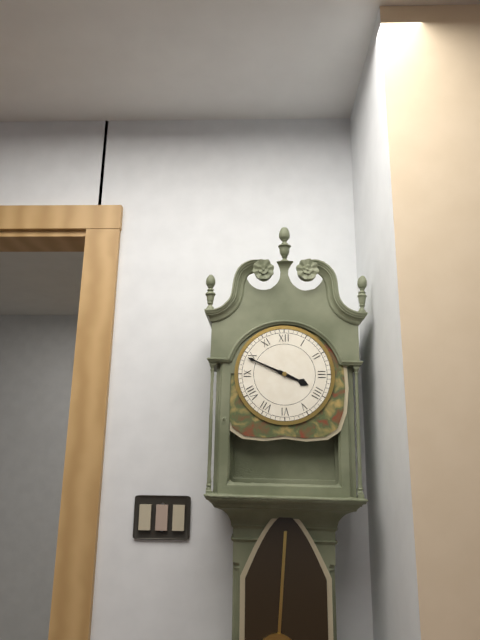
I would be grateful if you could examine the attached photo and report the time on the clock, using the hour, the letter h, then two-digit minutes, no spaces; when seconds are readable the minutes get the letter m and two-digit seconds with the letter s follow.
3h49
